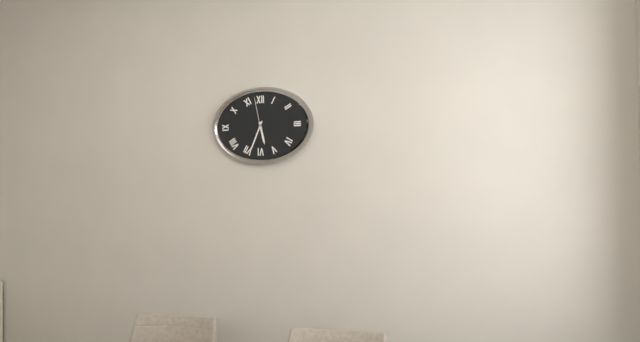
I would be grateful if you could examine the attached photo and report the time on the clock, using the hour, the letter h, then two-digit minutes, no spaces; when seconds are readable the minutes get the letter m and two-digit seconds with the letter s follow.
5h34
